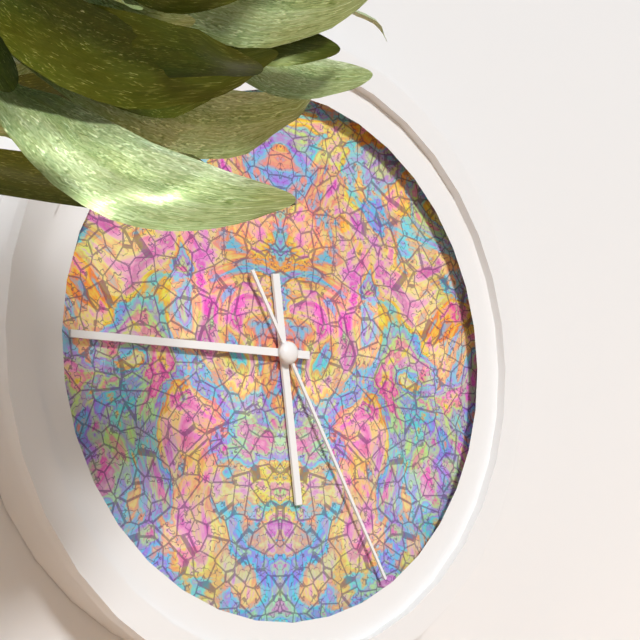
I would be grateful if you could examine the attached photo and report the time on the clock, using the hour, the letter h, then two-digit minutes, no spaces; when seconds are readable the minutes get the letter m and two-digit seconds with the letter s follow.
5h45m25s
